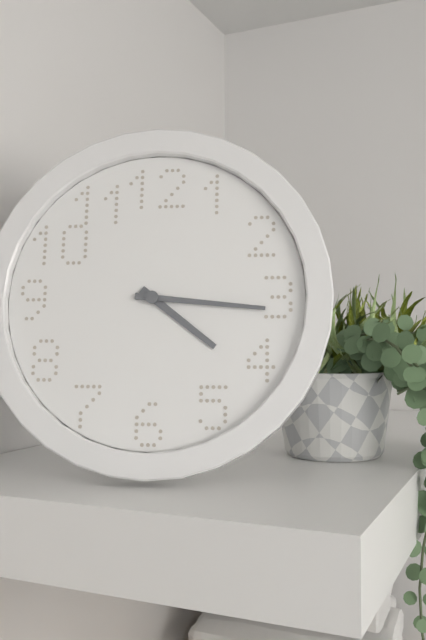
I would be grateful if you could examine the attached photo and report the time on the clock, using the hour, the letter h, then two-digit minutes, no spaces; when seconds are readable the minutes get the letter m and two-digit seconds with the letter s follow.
4h16
